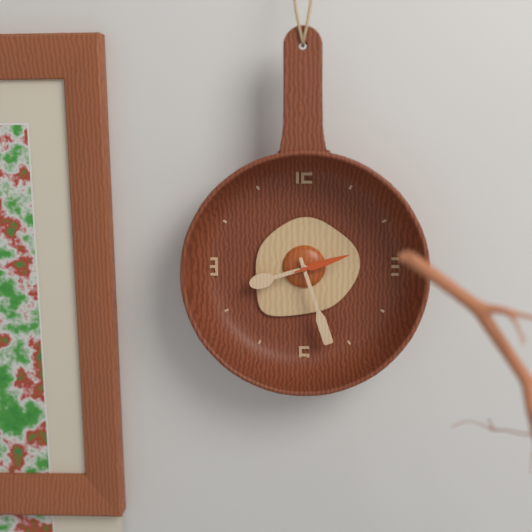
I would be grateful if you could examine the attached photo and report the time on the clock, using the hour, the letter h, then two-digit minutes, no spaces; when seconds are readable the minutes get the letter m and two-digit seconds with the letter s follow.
8h27m12s
